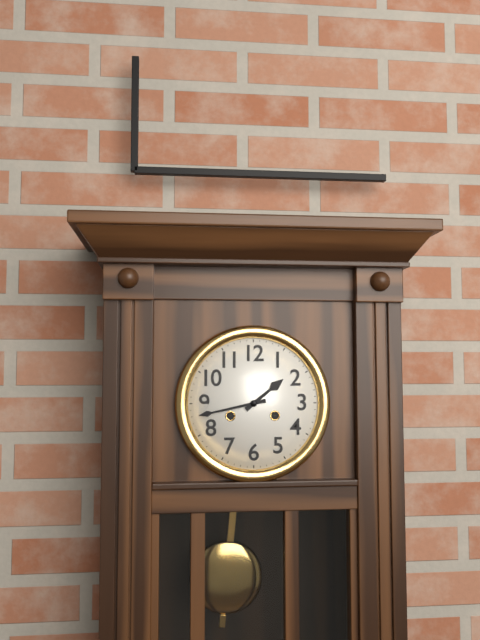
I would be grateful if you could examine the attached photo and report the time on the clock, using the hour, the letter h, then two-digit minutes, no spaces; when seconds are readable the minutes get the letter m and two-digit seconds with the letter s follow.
1h43
